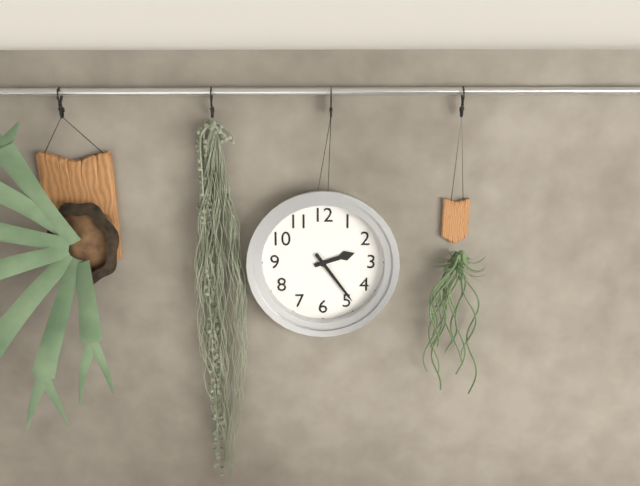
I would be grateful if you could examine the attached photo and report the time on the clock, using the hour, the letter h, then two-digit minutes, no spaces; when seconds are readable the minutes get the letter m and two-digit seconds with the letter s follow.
2h24
